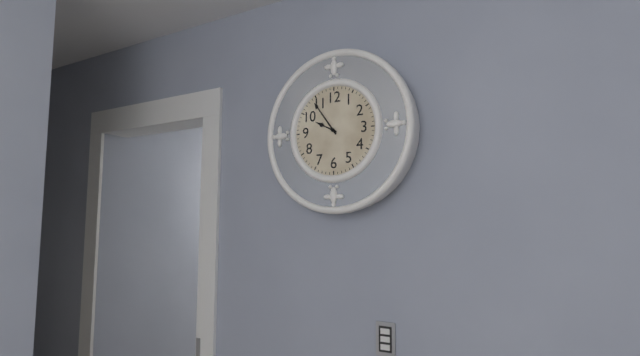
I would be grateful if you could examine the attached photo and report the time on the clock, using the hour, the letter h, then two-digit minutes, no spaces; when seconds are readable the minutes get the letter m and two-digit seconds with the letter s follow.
9h54
